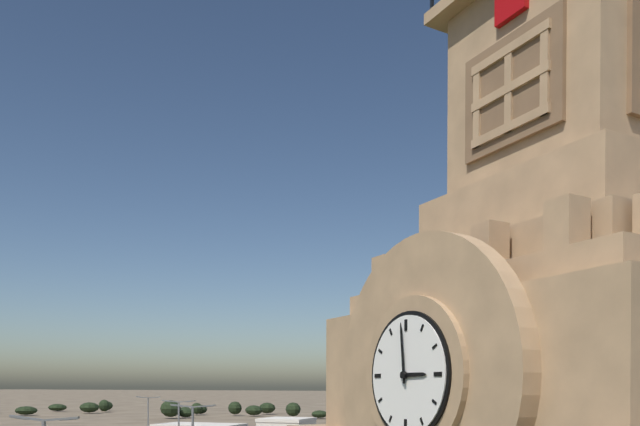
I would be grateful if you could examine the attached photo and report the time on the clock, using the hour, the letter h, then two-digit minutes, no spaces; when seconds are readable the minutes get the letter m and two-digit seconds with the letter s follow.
2h59
